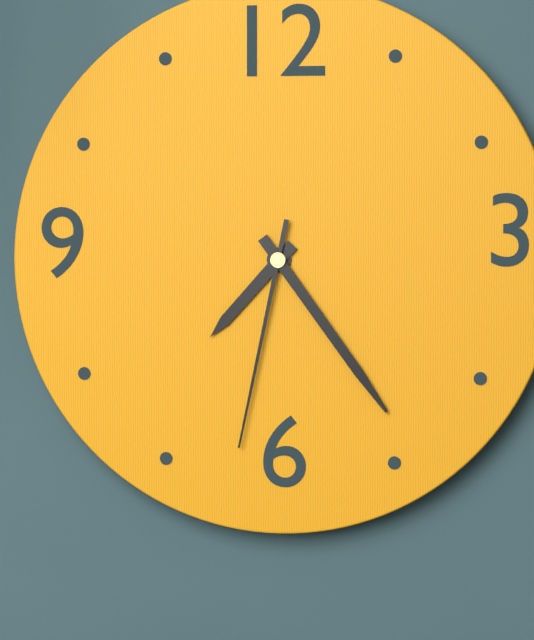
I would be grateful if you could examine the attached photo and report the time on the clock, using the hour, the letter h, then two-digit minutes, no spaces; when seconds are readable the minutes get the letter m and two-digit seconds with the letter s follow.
7h24m32s
